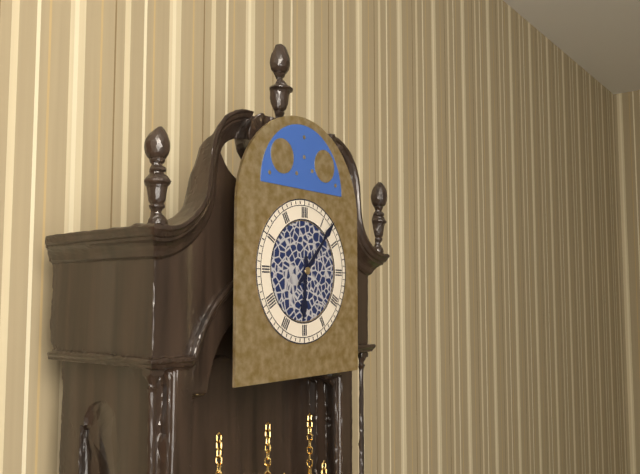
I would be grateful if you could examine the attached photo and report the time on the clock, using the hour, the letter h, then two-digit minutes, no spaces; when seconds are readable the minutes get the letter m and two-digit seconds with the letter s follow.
6h07
